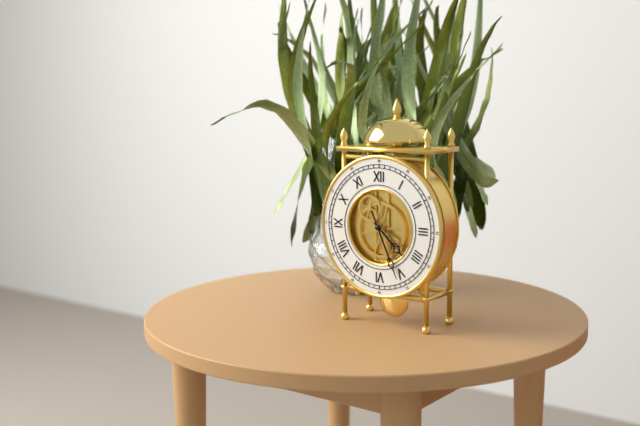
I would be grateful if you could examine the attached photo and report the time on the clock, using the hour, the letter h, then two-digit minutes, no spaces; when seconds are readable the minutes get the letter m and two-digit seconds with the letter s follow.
4h26
